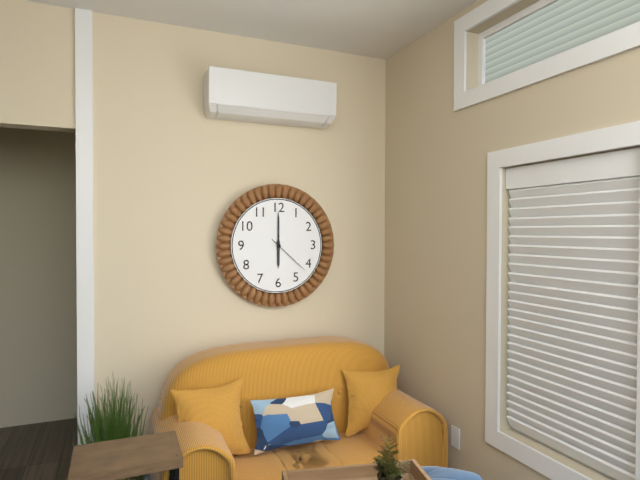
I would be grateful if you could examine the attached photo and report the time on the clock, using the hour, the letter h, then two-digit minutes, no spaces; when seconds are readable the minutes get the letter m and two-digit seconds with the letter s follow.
6h00
